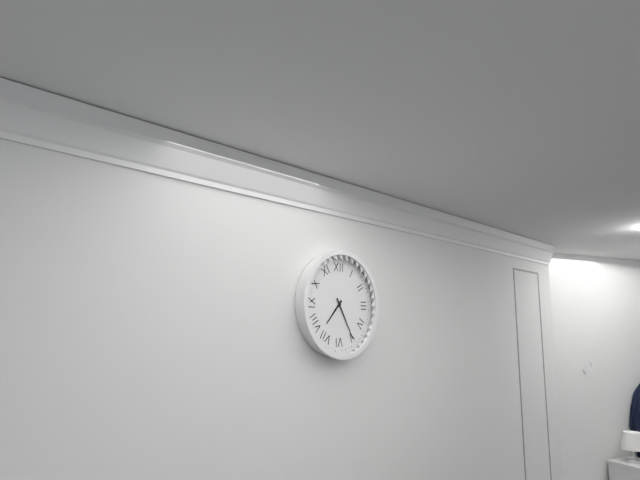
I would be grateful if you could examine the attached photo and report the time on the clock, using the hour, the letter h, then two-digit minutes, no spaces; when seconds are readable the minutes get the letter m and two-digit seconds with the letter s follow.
7h25
